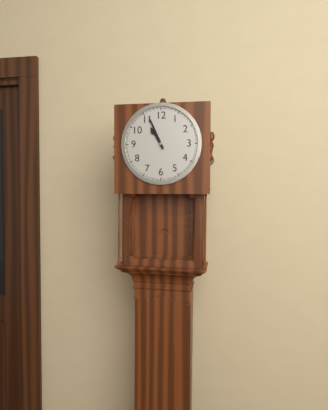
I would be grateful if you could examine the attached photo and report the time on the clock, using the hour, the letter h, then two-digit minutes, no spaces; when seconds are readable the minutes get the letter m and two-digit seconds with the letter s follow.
10h56
